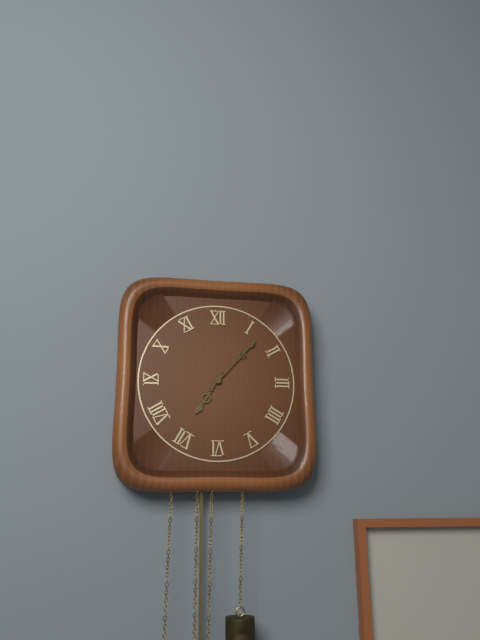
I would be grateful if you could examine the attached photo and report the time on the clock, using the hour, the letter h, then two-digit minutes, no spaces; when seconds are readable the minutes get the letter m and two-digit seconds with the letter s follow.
7h07
